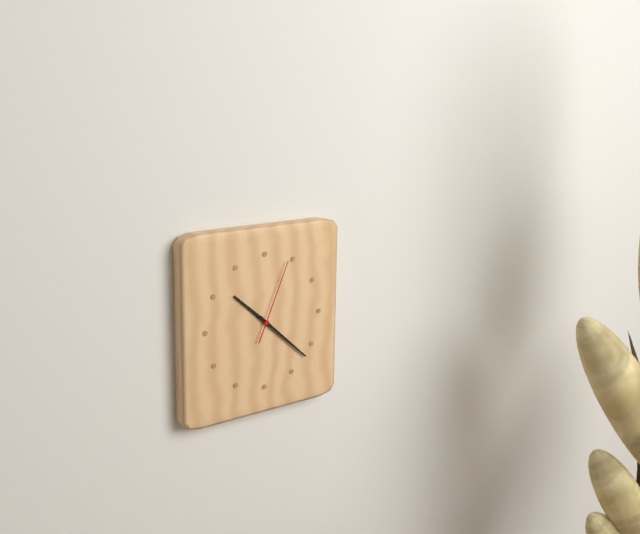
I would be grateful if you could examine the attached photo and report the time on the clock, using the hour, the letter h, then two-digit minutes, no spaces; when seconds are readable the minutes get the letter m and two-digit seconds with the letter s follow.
10h22m04s
